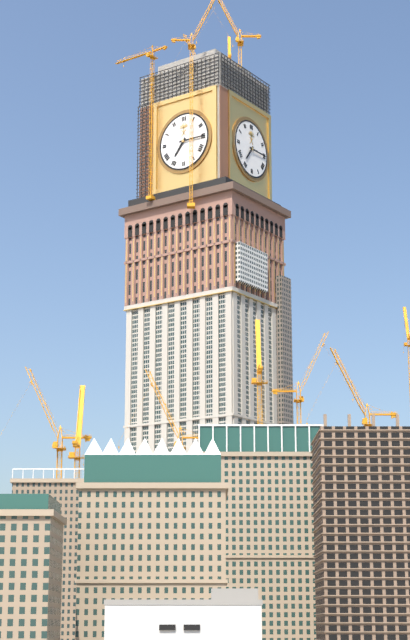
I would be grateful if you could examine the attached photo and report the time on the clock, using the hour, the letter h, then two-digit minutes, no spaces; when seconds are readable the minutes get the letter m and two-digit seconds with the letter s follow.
7h15
